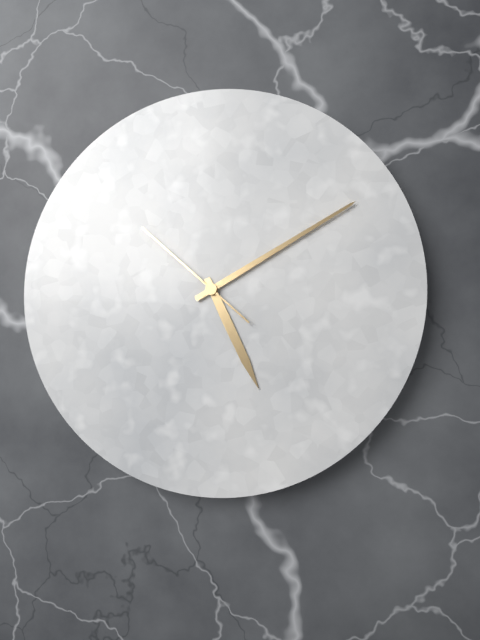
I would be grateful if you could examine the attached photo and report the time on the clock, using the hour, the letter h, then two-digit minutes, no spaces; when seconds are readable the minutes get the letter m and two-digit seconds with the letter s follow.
5h10m52s
